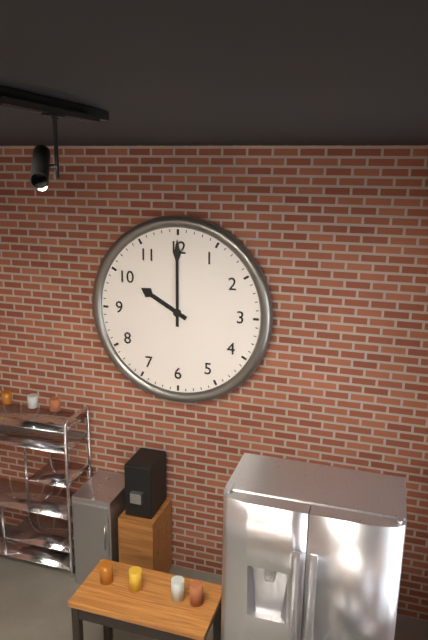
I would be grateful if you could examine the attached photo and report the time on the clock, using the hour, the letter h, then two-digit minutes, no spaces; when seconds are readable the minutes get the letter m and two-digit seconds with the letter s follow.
10h00
